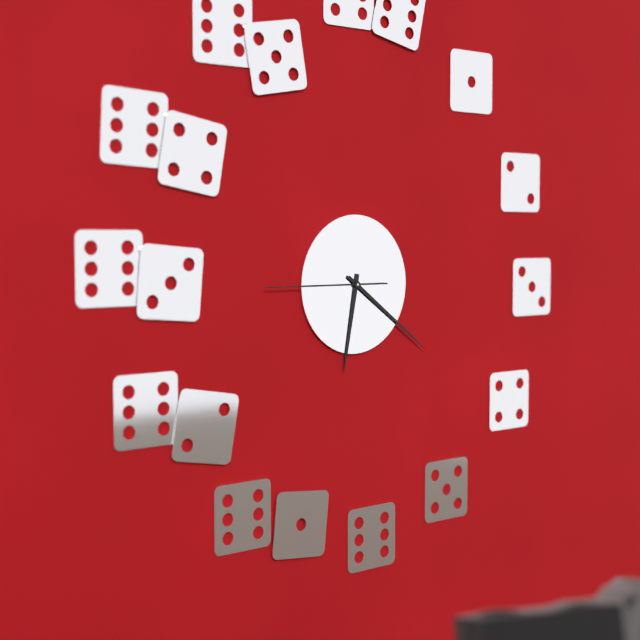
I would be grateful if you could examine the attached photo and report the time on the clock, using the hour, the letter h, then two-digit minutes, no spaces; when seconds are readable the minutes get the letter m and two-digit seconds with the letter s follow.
6h21m45s
